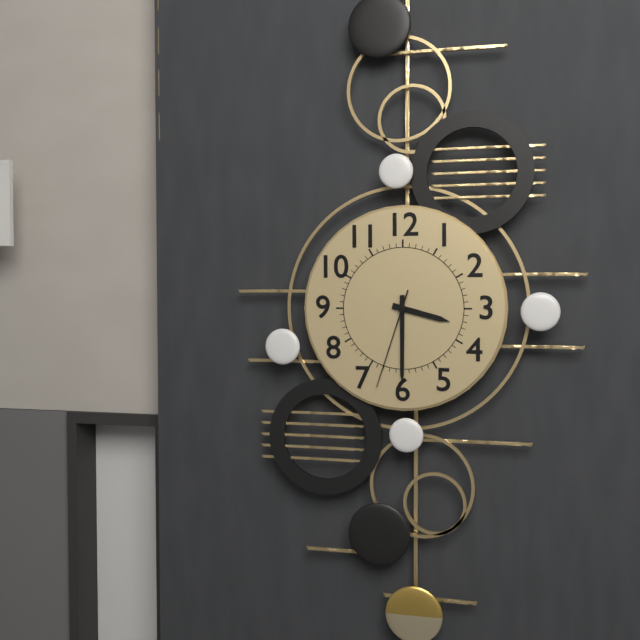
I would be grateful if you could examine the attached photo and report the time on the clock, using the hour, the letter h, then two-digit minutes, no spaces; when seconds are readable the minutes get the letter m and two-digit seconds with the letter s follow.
3h30m33s
